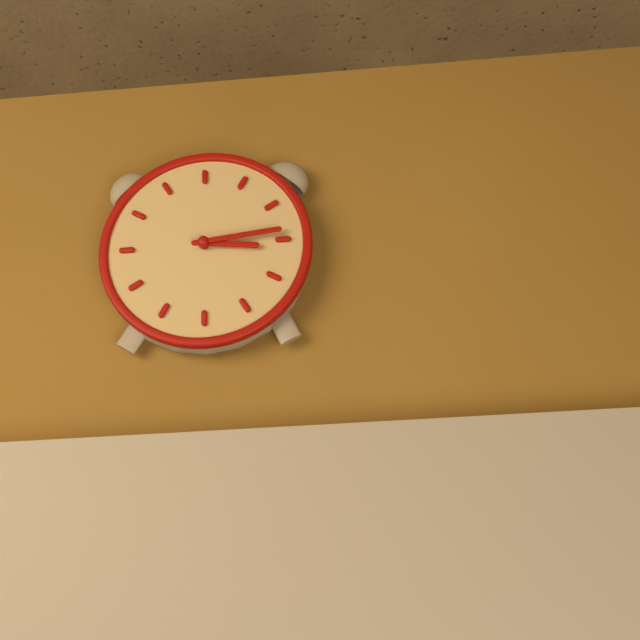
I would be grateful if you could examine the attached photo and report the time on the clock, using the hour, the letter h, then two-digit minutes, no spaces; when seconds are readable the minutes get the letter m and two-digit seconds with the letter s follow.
3h14
